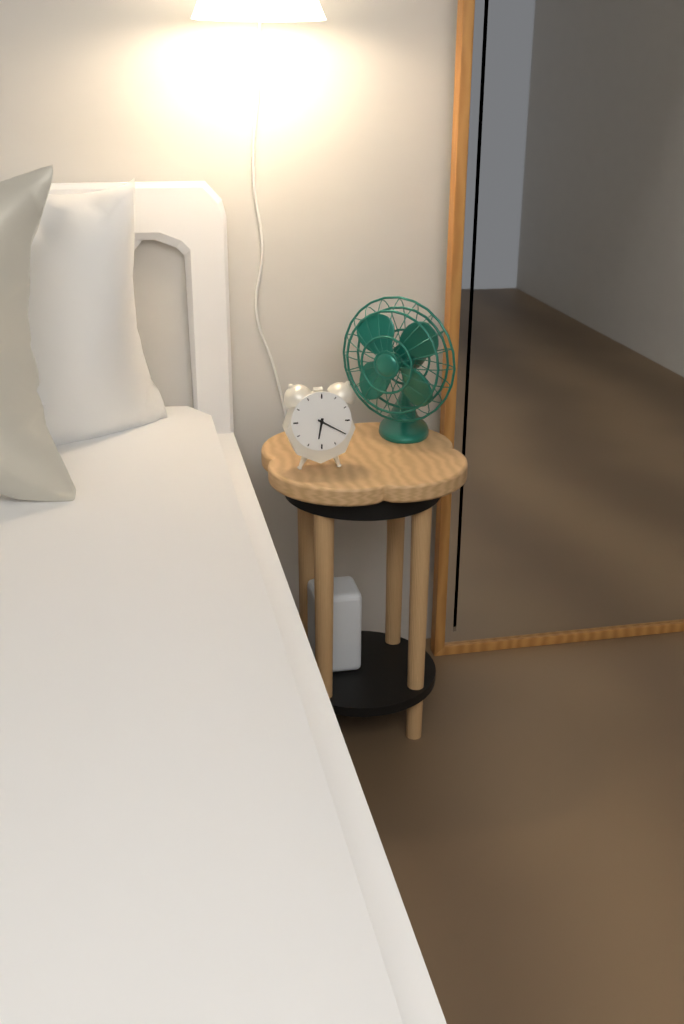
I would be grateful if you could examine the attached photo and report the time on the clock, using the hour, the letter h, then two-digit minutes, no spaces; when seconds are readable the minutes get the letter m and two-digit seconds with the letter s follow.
6h20
